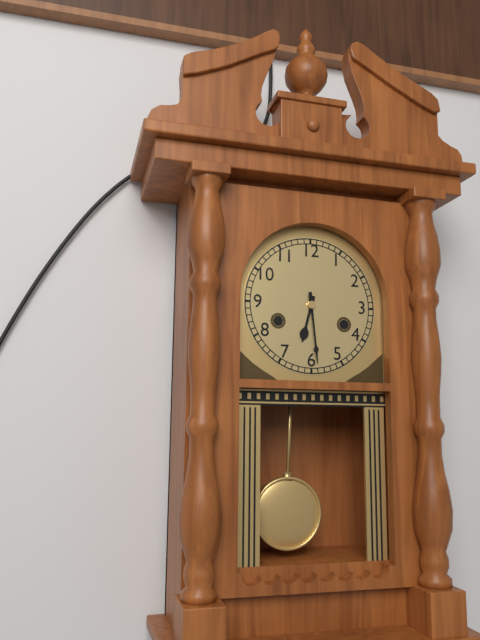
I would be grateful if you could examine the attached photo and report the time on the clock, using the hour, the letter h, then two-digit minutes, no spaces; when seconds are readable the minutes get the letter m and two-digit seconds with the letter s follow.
6h29
